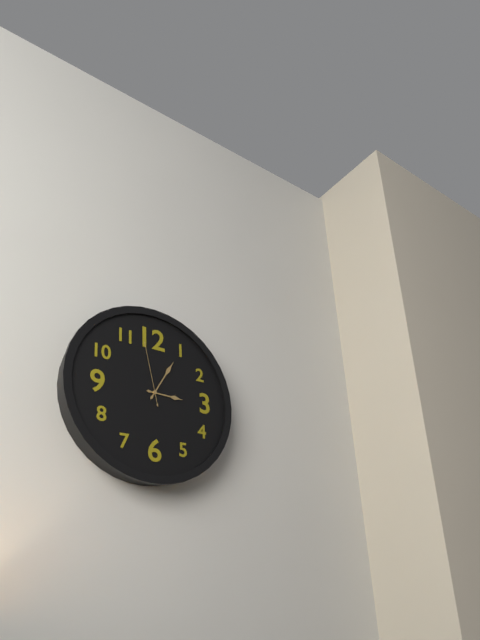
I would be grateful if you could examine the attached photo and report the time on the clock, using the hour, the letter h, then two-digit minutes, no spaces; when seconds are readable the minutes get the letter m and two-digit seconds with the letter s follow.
3h05m58s
